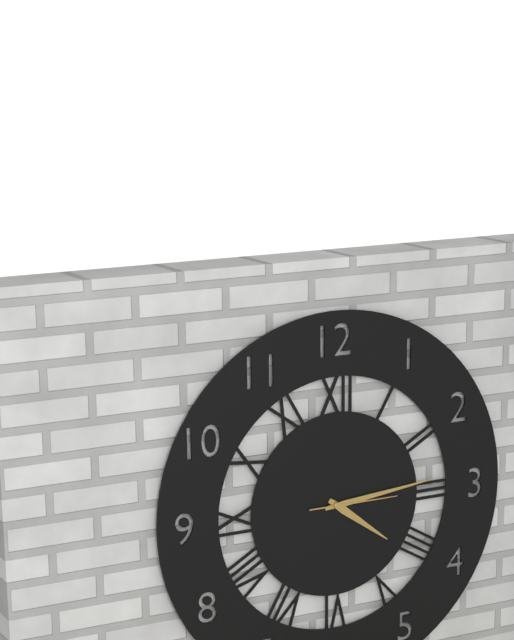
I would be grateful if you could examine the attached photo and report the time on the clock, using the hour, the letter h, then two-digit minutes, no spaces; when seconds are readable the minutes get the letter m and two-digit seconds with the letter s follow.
4h14m15s
